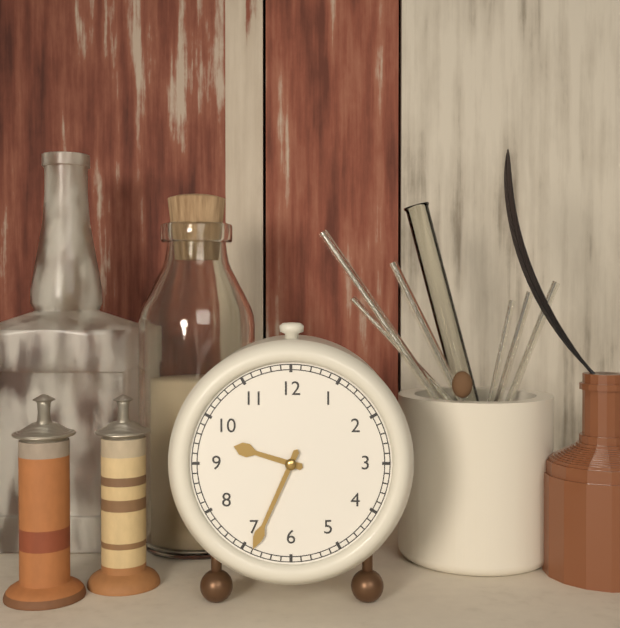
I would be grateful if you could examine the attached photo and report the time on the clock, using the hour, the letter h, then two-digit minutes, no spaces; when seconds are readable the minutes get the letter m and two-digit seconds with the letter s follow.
9h34
